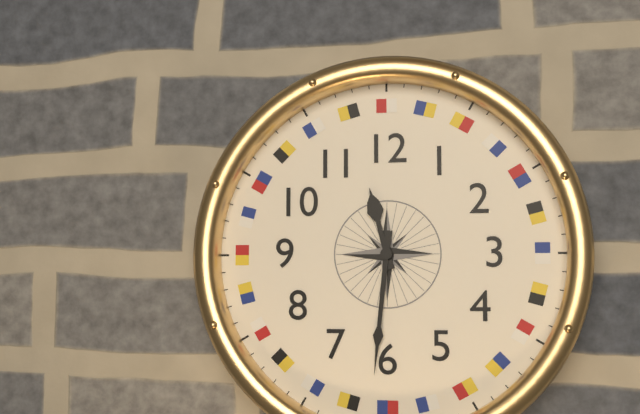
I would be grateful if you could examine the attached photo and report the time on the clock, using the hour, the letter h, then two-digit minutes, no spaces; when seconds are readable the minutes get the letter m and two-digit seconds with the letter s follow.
11h31
